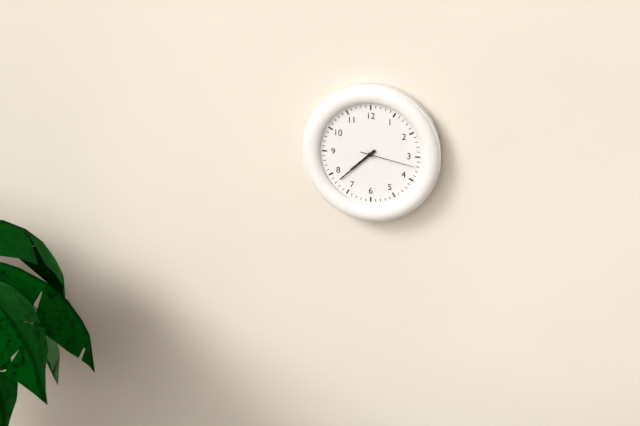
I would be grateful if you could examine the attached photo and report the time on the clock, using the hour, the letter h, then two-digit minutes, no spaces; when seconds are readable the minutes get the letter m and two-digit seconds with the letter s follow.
7h38m17s
